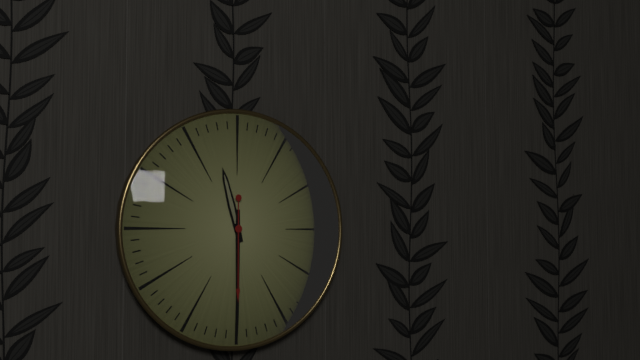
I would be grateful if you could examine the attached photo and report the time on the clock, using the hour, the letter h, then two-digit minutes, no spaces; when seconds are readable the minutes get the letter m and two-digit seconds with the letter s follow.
11h30m30s
